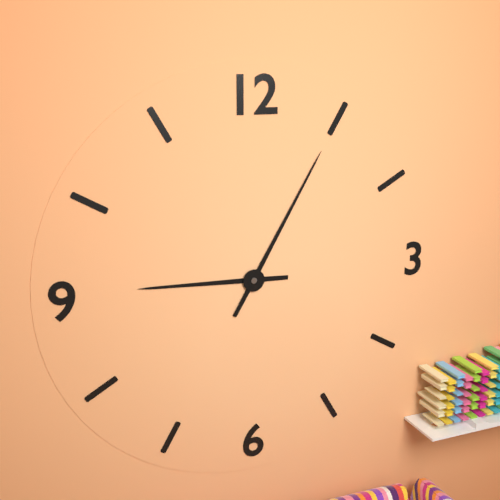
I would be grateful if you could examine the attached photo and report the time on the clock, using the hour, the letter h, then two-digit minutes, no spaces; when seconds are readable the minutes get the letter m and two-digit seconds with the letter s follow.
9h05
